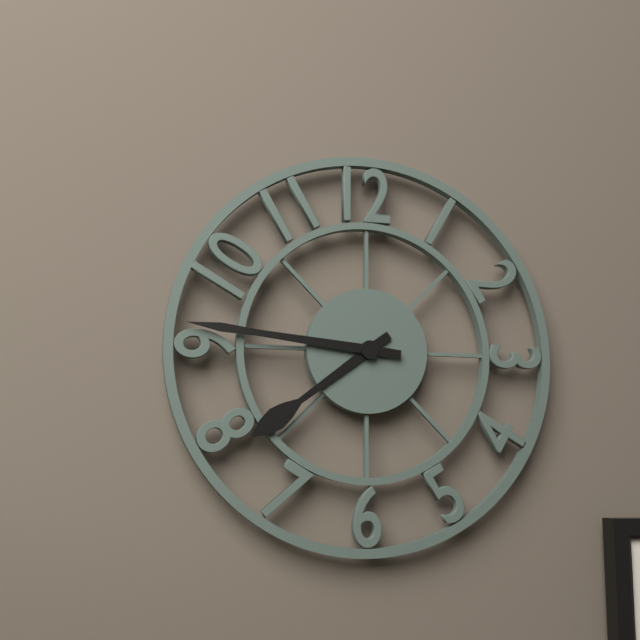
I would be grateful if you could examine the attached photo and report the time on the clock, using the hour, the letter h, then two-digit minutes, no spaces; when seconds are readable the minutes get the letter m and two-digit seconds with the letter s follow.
7h46
